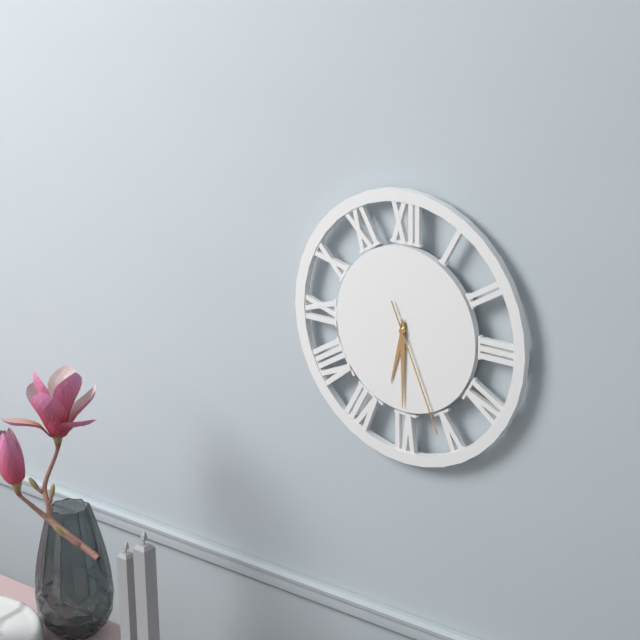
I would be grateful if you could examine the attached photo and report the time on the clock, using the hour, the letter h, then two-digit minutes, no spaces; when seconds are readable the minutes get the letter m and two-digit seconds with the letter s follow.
6h30m26s
